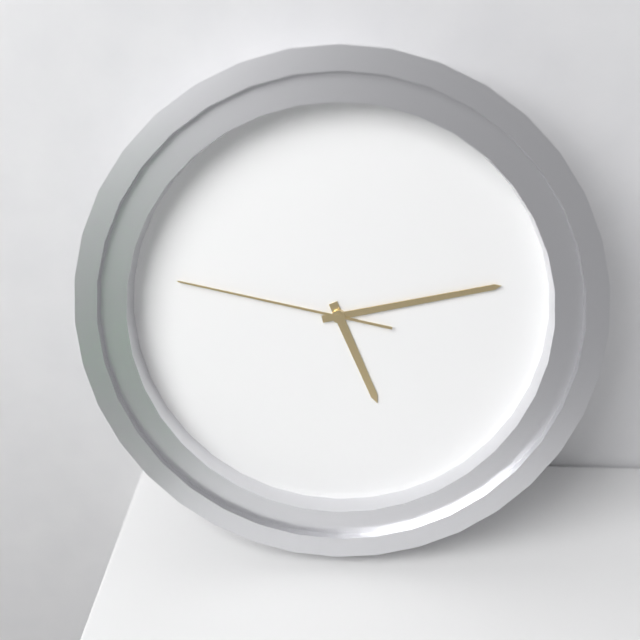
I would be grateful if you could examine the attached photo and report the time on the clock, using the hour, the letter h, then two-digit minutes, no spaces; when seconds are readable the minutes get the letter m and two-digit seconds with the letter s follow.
5h13m47s
